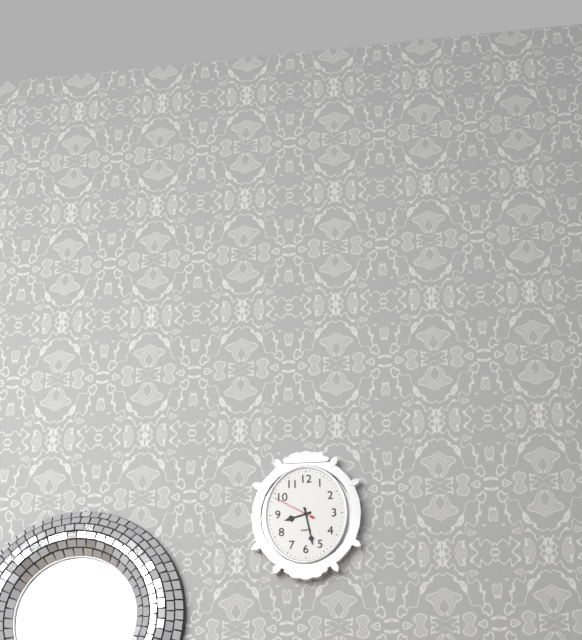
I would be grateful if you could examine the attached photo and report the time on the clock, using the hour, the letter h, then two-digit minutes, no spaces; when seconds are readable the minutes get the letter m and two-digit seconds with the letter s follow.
8h28
